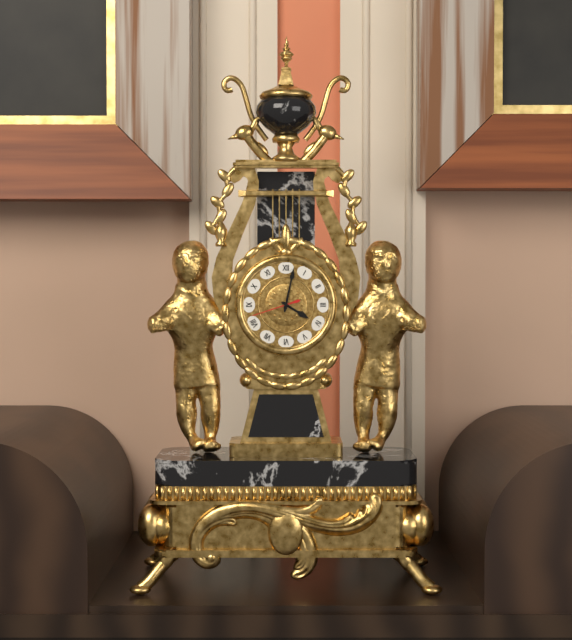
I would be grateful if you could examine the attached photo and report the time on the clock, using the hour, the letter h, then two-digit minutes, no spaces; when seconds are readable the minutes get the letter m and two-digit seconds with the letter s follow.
4h02
